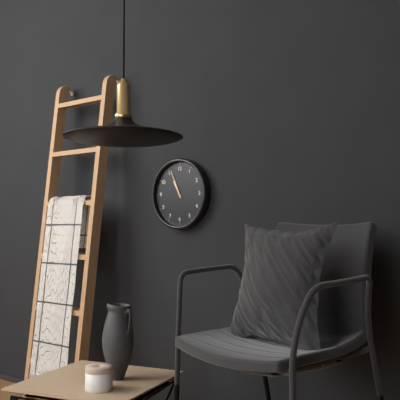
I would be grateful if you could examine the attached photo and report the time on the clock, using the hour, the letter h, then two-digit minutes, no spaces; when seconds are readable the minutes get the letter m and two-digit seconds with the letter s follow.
10h56
